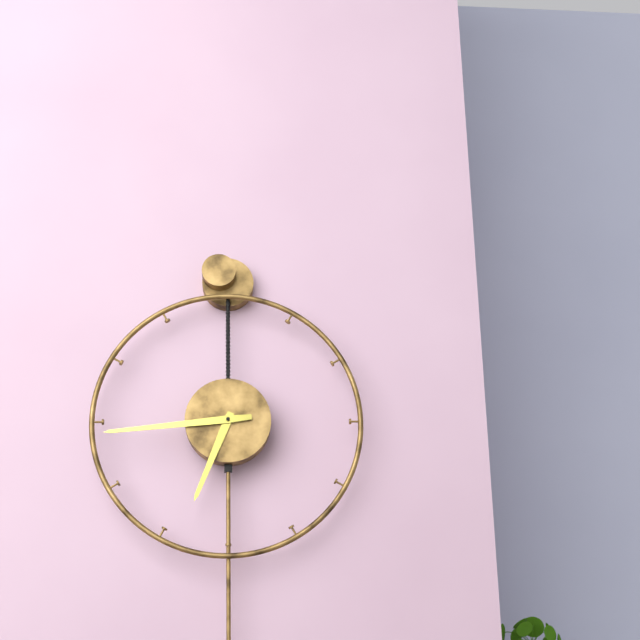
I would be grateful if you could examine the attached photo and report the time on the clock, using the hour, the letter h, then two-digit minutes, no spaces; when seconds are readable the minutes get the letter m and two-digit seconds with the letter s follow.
6h44
